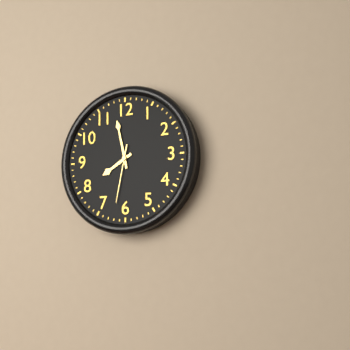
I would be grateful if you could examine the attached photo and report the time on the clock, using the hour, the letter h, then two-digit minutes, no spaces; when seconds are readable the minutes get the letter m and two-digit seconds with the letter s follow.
7h58m32s
